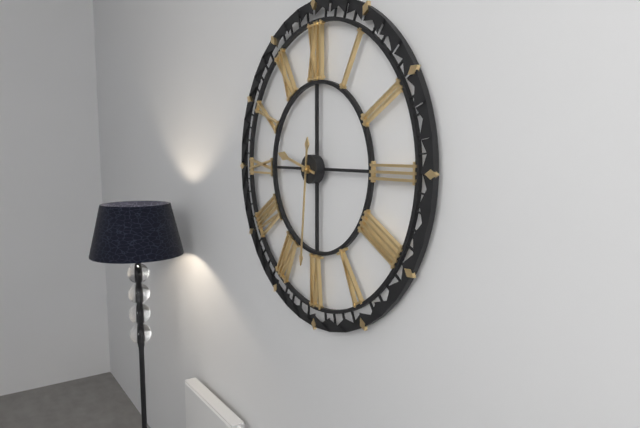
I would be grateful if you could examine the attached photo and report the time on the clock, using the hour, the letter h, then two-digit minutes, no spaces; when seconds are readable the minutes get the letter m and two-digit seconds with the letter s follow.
9h31
